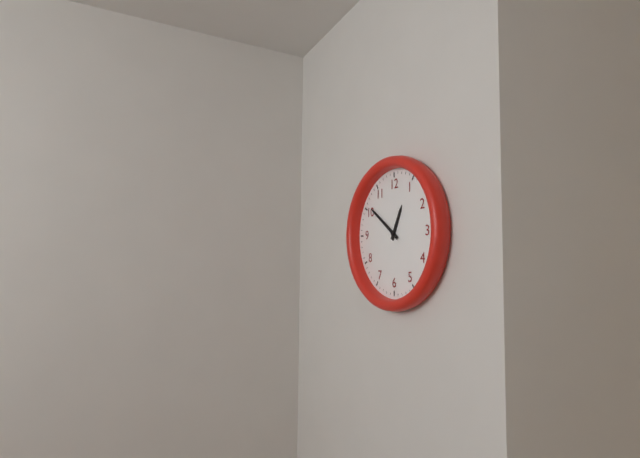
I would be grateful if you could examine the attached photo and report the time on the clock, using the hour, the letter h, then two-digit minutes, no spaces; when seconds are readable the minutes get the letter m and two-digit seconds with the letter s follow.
12h51
